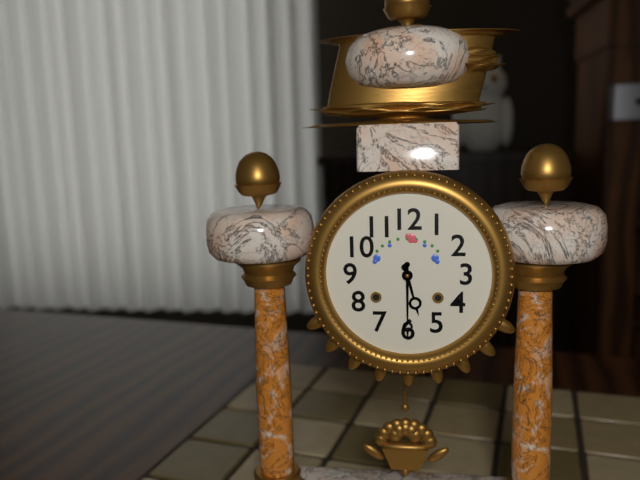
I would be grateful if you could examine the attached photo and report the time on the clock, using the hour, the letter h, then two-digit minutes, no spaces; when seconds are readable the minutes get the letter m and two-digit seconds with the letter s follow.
5h30
